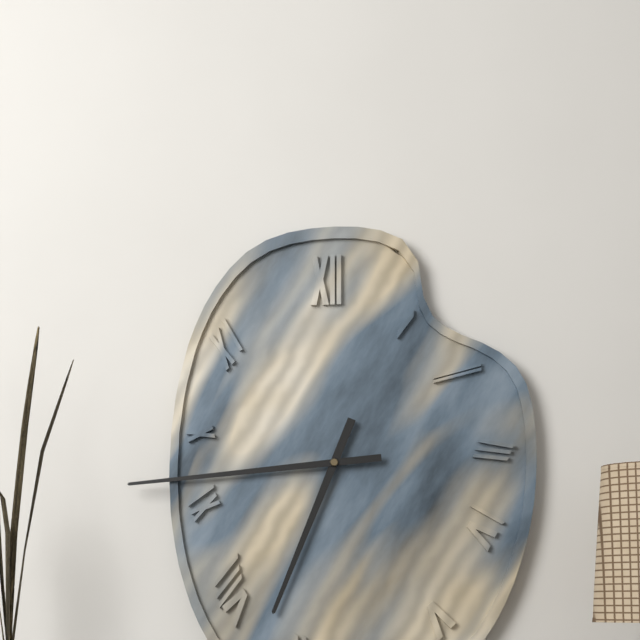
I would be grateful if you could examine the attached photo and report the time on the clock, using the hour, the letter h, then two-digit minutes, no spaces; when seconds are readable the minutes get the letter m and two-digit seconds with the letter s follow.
6h44
